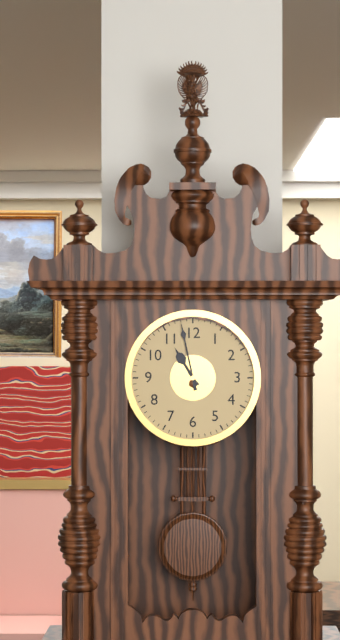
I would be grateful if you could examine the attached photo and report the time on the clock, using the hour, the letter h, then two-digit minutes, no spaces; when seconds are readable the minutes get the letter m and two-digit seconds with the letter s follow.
10h58
